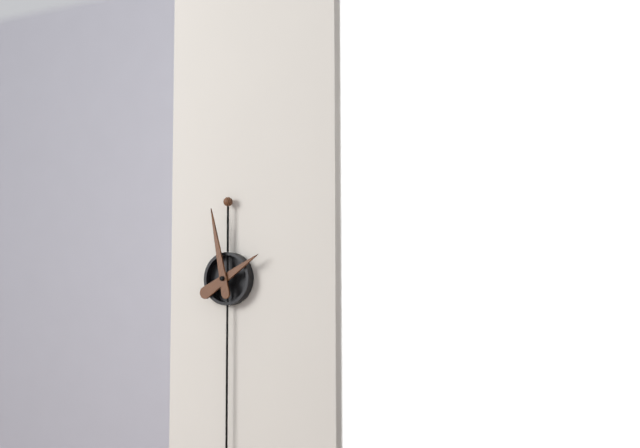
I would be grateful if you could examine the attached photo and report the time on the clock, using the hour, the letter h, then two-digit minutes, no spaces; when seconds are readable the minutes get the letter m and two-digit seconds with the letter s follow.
1h58
